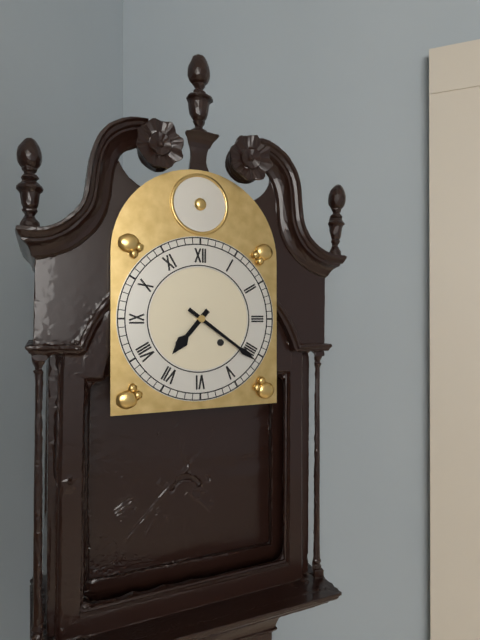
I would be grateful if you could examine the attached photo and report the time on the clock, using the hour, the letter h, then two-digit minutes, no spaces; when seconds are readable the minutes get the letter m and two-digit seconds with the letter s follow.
7h21
